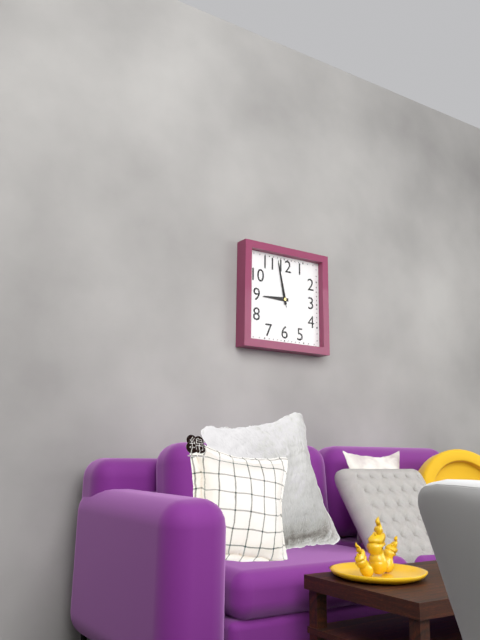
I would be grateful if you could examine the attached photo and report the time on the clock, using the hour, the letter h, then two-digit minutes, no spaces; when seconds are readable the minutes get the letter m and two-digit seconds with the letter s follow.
8h58
